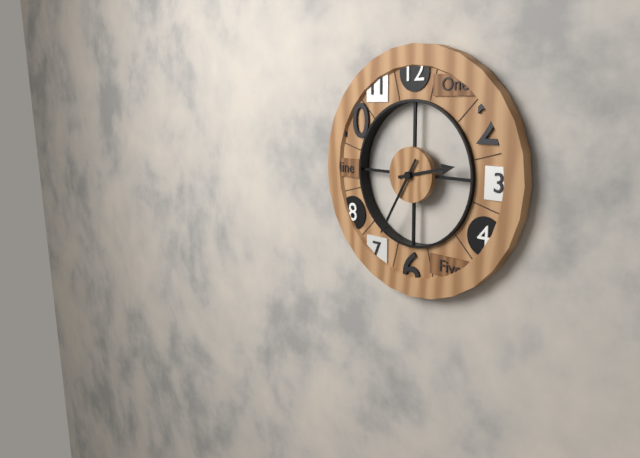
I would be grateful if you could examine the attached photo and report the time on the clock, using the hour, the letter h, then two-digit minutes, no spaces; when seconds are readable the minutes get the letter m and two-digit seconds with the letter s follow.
2h35
